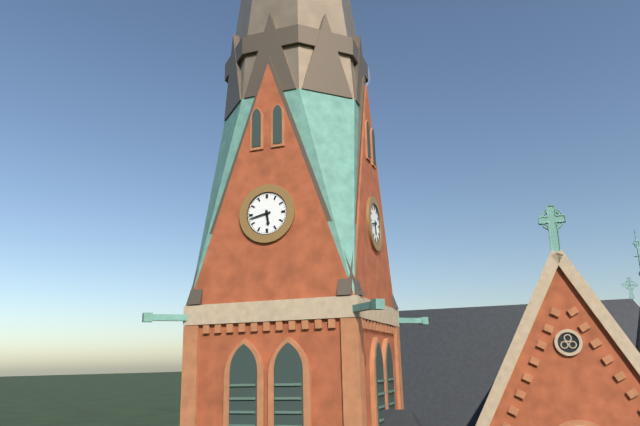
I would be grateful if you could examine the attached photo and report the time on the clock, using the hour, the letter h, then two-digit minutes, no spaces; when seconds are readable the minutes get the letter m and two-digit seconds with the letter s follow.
5h43
